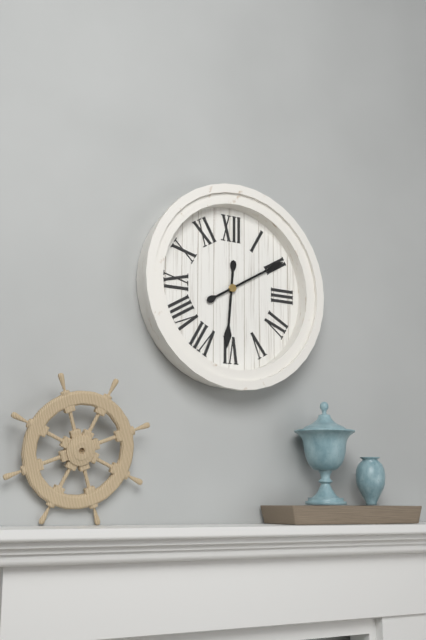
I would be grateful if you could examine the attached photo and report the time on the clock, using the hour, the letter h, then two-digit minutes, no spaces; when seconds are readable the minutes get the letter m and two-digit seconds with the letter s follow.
6h10
